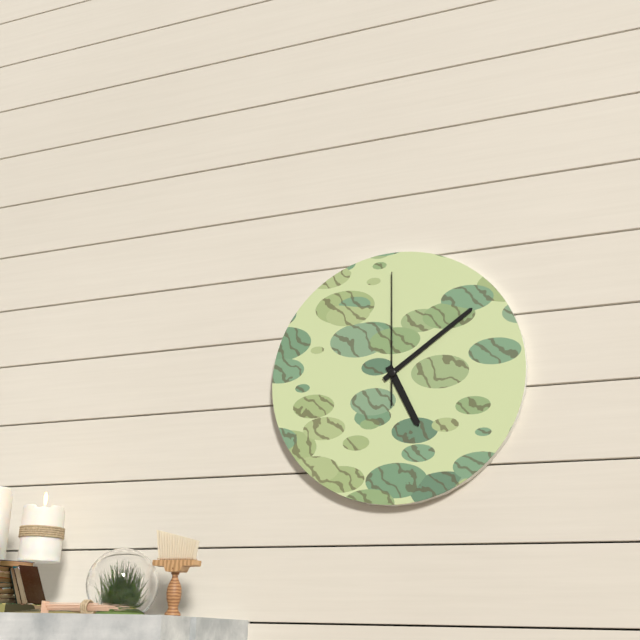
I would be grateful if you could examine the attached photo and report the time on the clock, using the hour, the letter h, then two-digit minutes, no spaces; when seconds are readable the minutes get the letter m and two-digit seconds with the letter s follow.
5h09m00s
